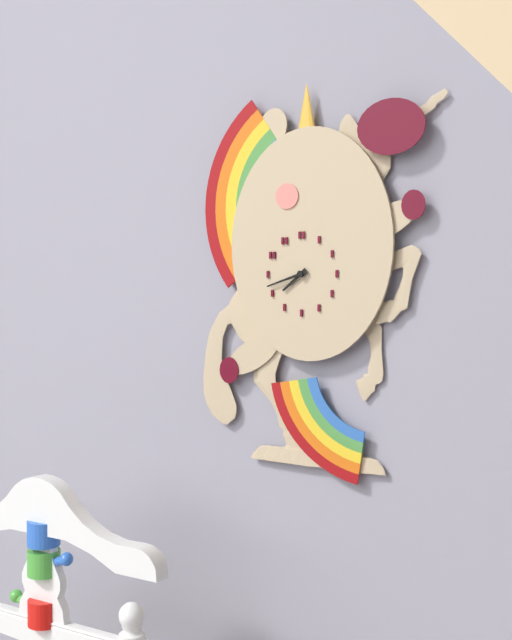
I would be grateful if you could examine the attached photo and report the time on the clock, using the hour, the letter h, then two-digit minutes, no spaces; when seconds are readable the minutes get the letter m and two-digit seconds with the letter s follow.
7h42
